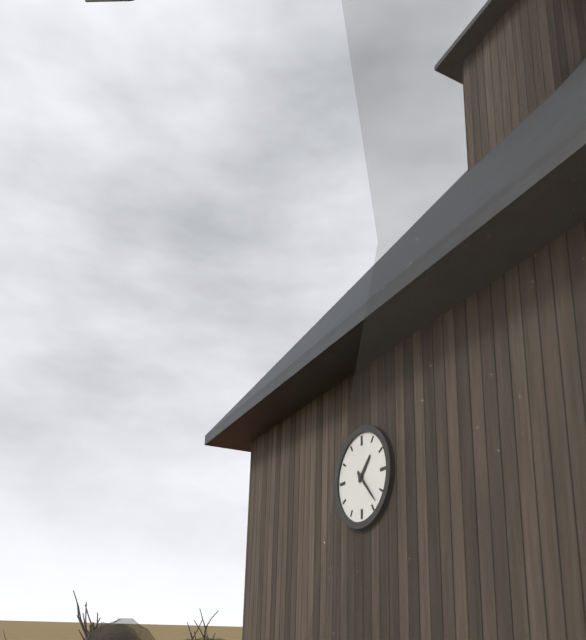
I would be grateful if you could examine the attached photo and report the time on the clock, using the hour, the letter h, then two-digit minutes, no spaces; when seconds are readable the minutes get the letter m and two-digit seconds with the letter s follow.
1h23
